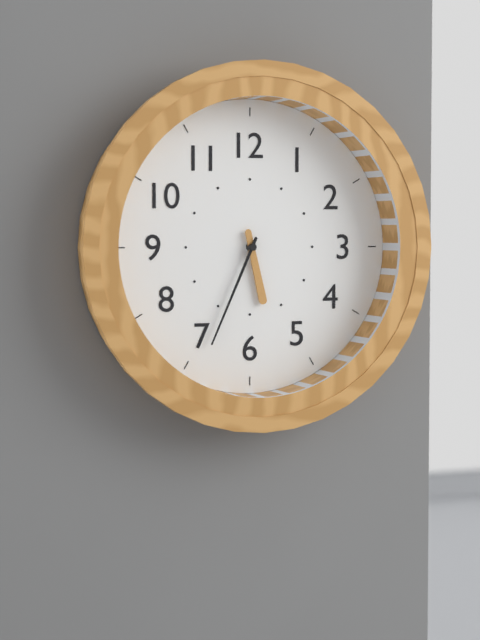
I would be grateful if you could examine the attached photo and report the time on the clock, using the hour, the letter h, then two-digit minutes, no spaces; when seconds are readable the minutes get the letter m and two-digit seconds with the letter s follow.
5h34
